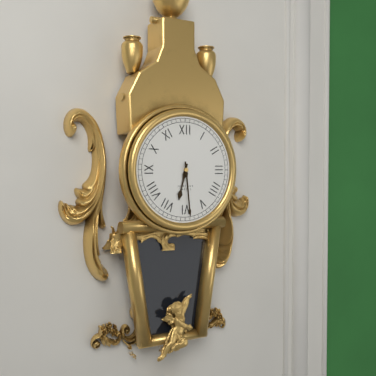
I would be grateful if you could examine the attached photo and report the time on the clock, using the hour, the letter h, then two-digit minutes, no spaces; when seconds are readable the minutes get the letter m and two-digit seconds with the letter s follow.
6h29
